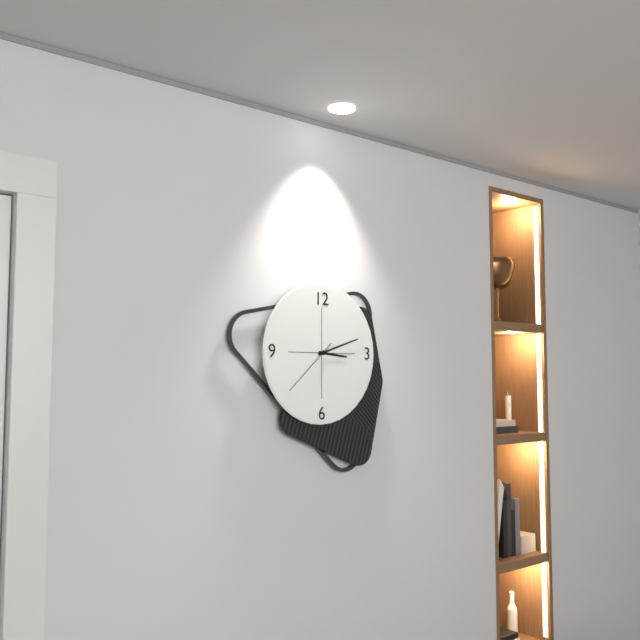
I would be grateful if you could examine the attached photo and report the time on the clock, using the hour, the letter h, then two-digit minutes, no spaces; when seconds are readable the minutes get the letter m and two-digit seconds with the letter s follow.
3h12m38s
